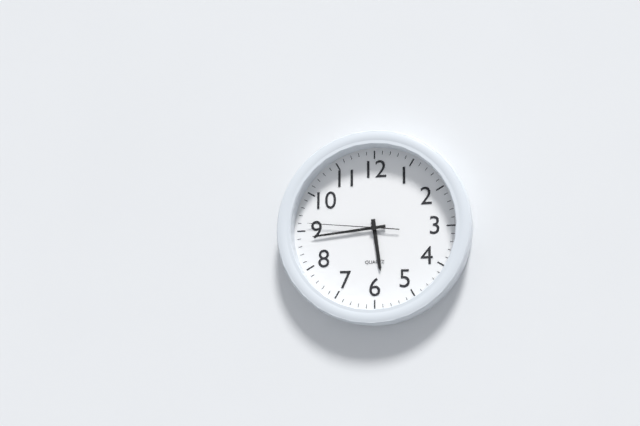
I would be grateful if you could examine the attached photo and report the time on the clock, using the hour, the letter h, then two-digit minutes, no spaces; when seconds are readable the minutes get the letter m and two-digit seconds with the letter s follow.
5h44m46s
